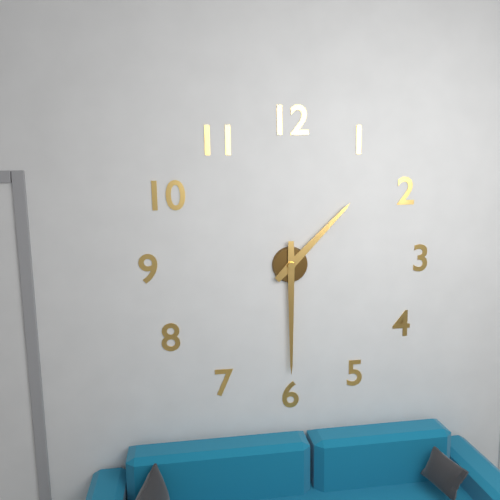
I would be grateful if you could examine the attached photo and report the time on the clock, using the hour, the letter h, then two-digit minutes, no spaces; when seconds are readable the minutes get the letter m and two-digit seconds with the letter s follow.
1h30
